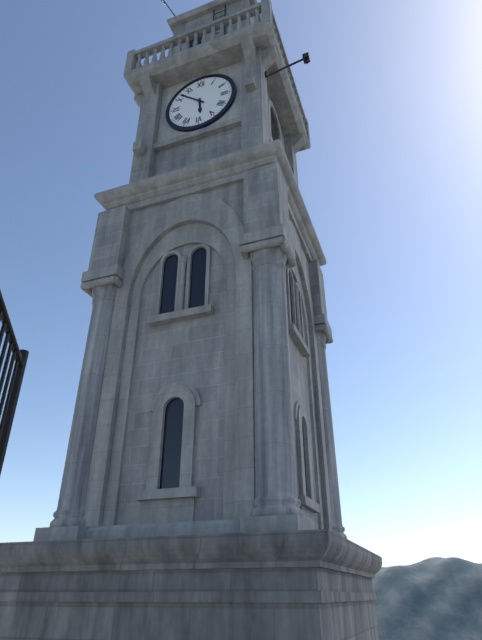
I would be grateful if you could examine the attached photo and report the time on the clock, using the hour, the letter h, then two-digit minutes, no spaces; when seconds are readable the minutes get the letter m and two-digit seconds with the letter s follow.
5h52
